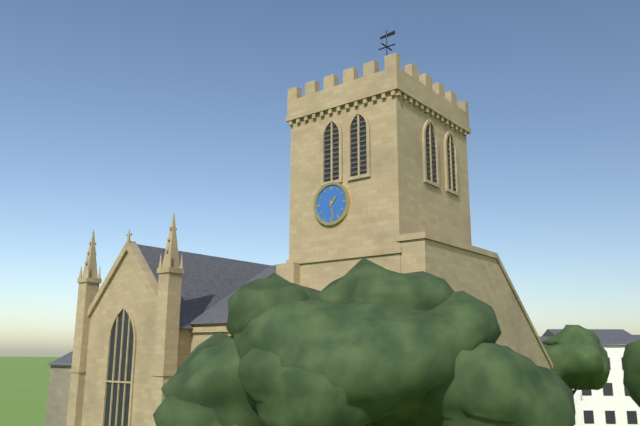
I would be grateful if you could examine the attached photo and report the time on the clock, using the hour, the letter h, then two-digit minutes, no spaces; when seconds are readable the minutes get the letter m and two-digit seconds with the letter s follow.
1h28
